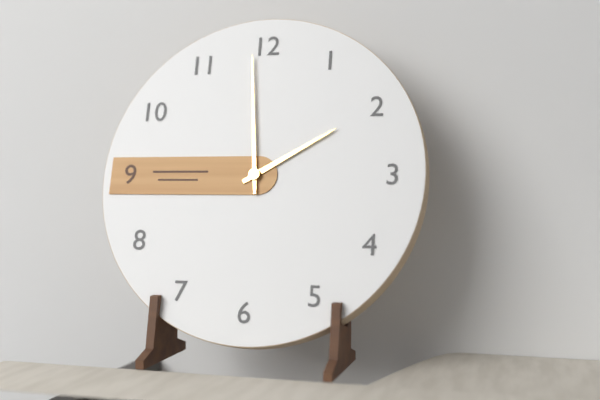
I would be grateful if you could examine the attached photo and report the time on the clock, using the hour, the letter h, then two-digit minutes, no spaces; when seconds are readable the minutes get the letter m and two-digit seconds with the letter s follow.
1h59
